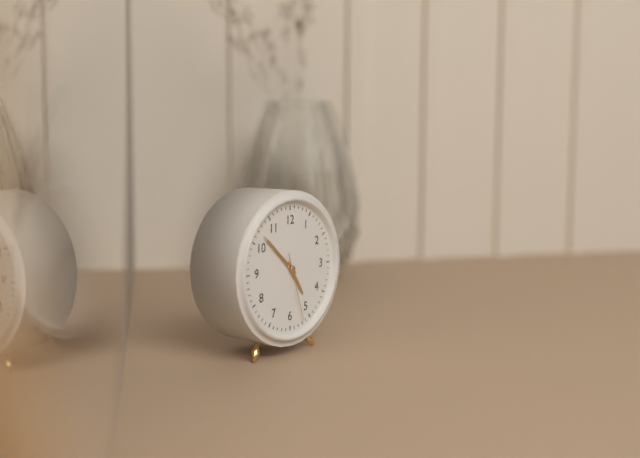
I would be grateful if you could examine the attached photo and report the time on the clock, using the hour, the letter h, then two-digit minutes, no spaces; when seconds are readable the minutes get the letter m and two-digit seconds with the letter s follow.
4h52m27s
